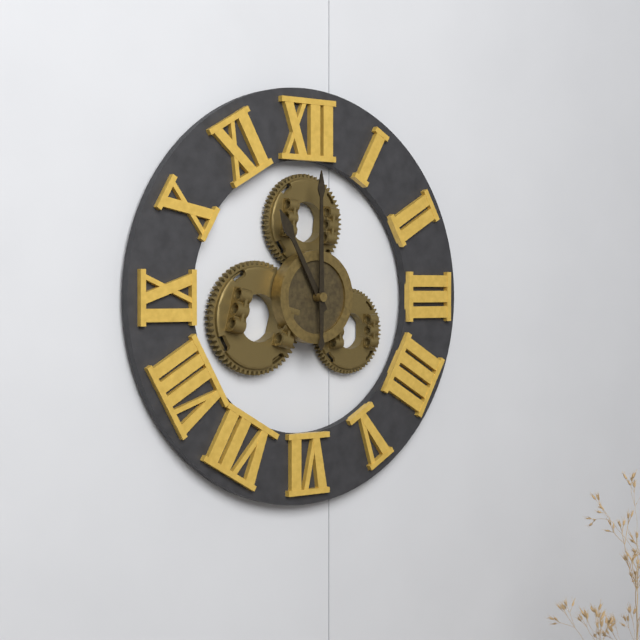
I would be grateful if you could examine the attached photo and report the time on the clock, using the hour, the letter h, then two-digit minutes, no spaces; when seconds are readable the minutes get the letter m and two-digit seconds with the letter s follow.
11h00
